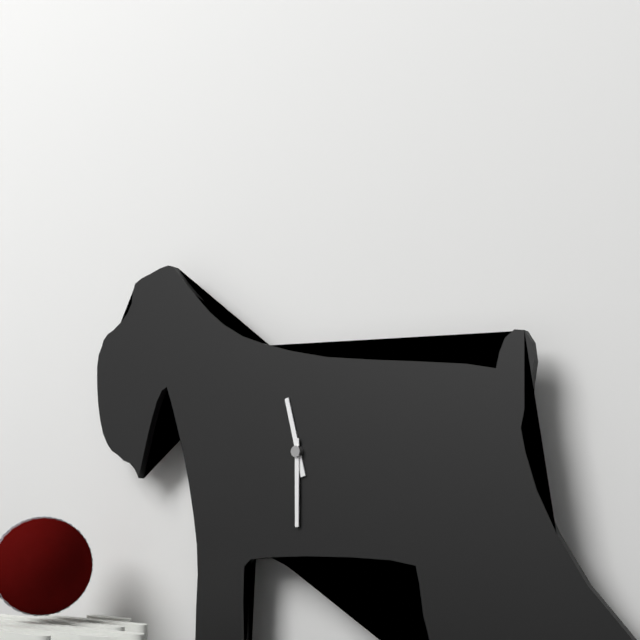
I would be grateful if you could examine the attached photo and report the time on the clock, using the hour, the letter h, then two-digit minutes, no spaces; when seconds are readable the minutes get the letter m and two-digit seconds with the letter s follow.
11h30
